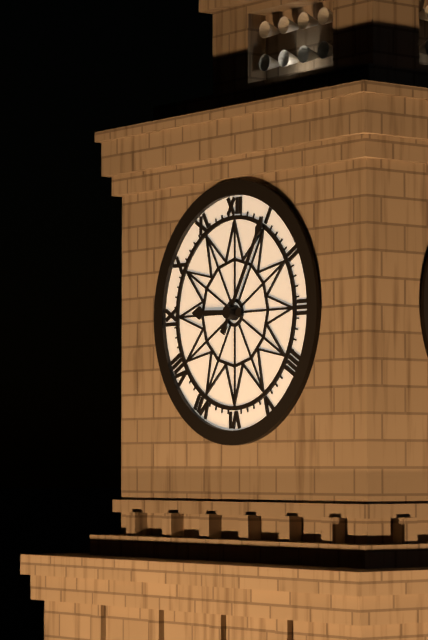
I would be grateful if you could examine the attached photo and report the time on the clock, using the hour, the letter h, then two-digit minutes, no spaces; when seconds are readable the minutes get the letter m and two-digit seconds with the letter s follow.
9h05
